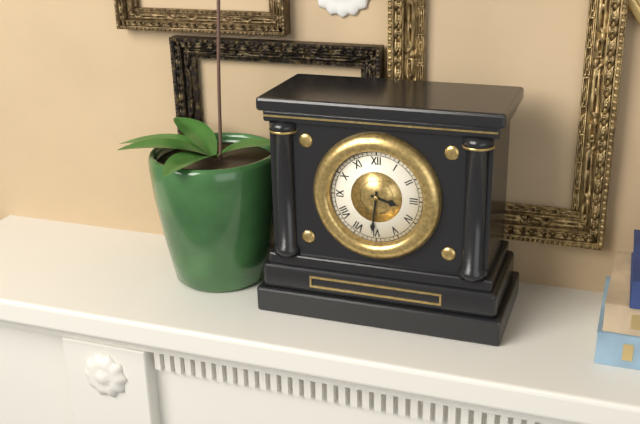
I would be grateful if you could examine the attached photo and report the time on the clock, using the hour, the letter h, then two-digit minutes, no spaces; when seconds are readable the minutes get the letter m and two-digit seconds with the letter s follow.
3h31
